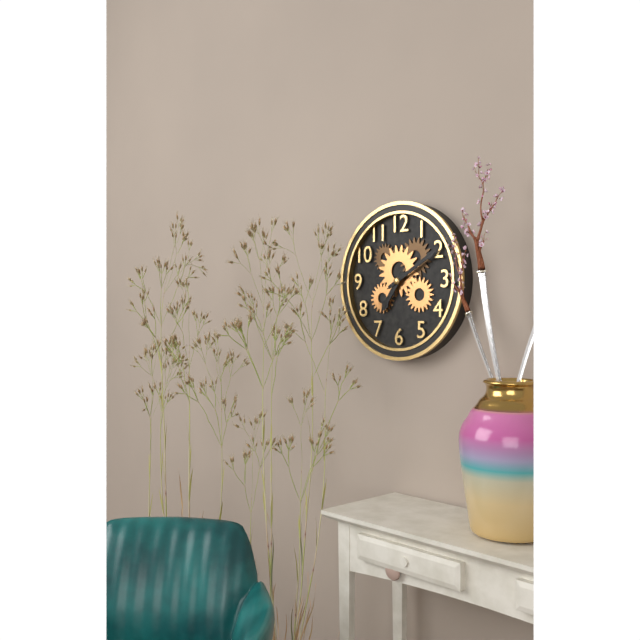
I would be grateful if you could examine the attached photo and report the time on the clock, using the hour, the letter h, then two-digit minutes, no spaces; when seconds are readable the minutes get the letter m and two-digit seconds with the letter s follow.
7h10
